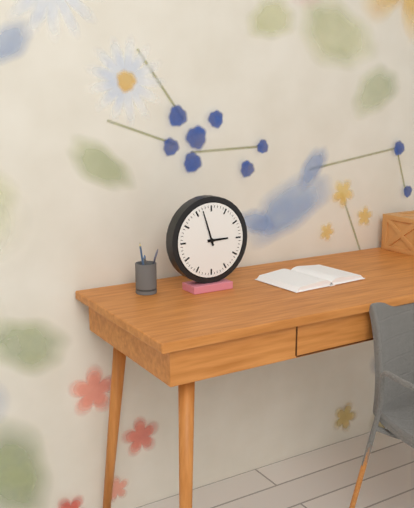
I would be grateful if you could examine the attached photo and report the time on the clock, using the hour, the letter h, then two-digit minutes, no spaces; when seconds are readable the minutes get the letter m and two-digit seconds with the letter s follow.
2h57
